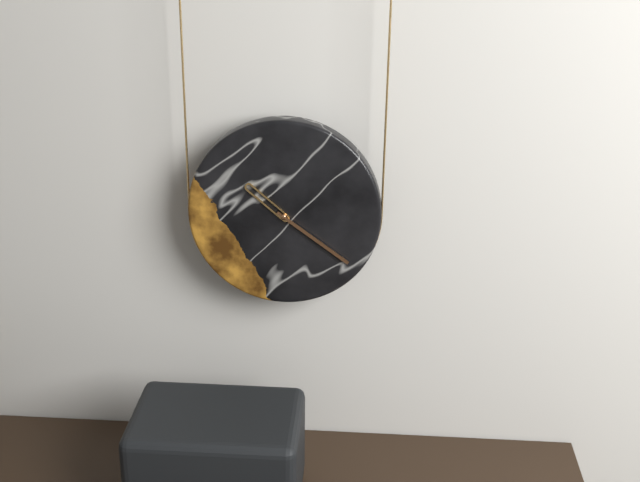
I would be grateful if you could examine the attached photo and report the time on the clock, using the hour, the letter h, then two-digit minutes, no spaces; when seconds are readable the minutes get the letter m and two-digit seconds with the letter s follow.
10h21
